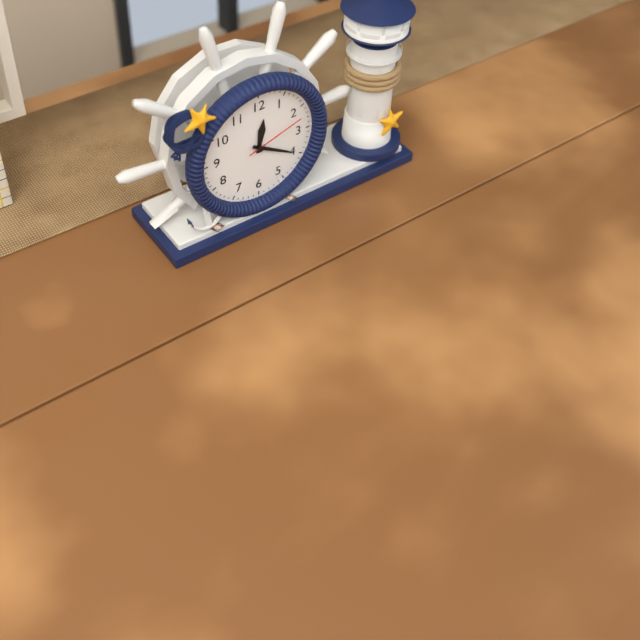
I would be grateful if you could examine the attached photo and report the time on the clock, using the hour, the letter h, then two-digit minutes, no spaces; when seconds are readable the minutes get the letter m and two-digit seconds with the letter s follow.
12h20m12s
